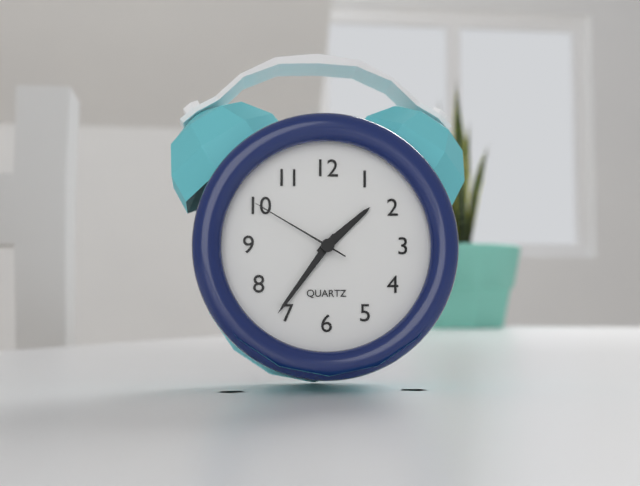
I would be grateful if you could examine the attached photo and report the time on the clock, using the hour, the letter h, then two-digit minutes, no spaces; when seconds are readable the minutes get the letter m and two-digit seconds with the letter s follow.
1h36m50s
